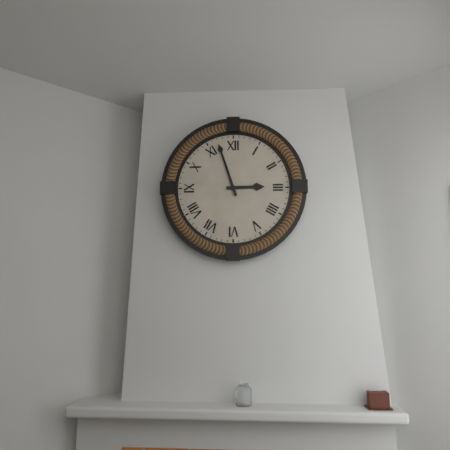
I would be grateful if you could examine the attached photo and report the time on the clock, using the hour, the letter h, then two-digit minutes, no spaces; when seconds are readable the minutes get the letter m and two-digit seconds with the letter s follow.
2h57
